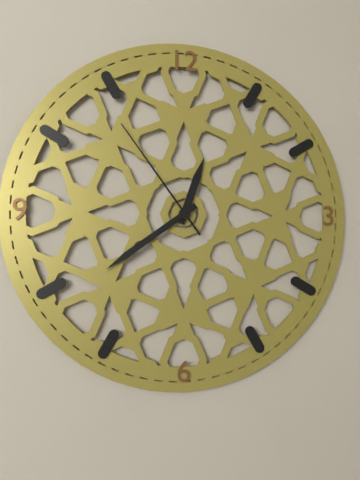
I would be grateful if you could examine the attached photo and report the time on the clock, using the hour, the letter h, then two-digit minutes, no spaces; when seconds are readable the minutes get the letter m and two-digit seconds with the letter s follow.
12h39m54s
